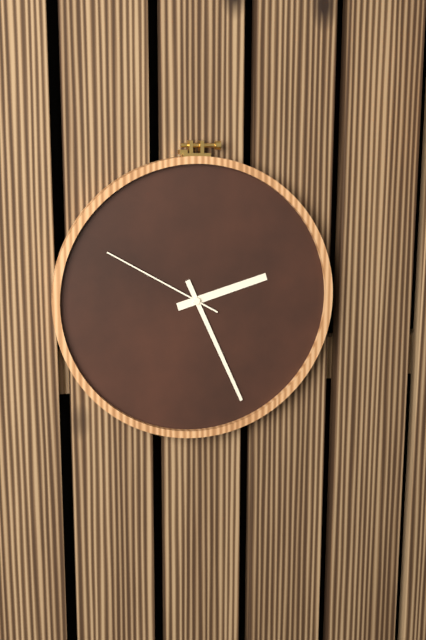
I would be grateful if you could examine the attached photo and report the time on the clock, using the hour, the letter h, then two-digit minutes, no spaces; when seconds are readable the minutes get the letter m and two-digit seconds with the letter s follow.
2h26m50s
